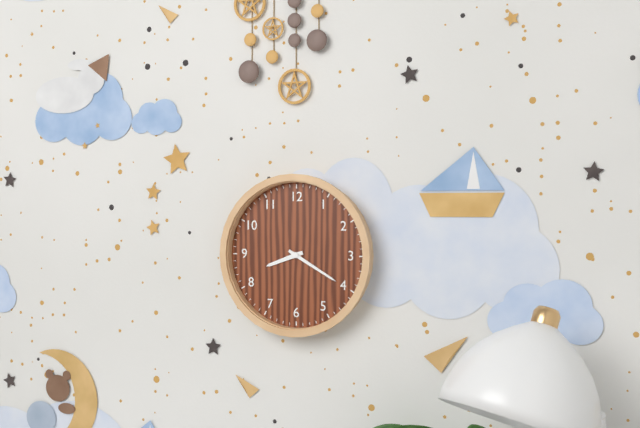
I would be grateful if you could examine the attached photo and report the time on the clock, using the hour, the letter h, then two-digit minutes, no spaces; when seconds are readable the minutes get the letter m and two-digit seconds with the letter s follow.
8h20
